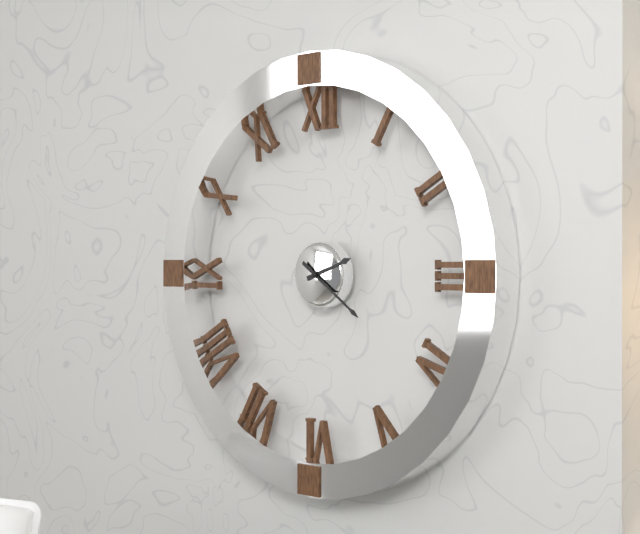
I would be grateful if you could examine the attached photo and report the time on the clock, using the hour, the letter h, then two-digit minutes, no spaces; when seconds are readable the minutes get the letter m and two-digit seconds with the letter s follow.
2h21
